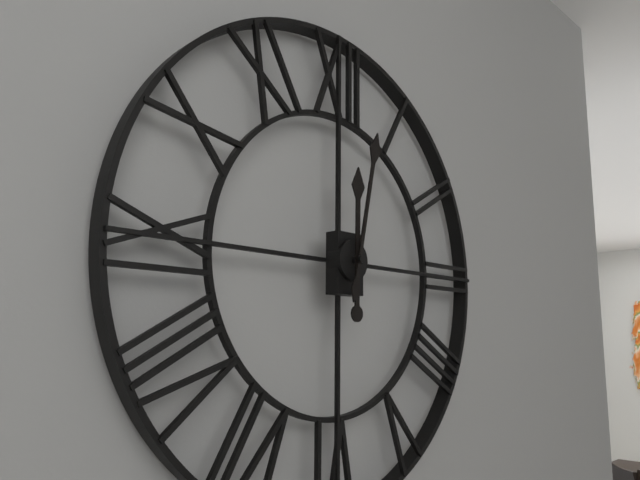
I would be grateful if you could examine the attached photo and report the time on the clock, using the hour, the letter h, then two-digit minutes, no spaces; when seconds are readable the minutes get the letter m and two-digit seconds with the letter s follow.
12h02
